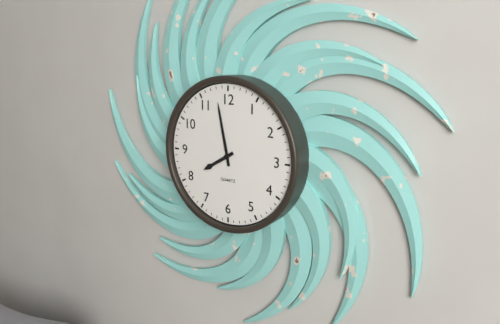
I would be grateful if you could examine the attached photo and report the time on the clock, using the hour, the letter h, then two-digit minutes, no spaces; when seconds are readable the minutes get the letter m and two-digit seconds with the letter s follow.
7h58
